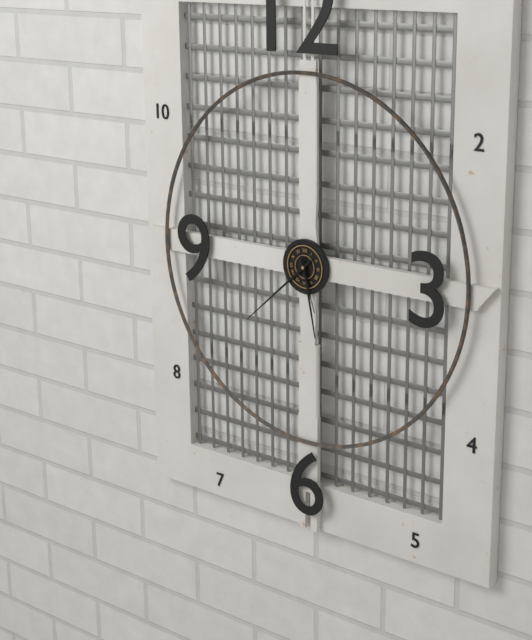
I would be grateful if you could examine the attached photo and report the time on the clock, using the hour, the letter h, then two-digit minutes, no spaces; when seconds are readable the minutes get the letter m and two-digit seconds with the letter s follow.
5h38m27s
